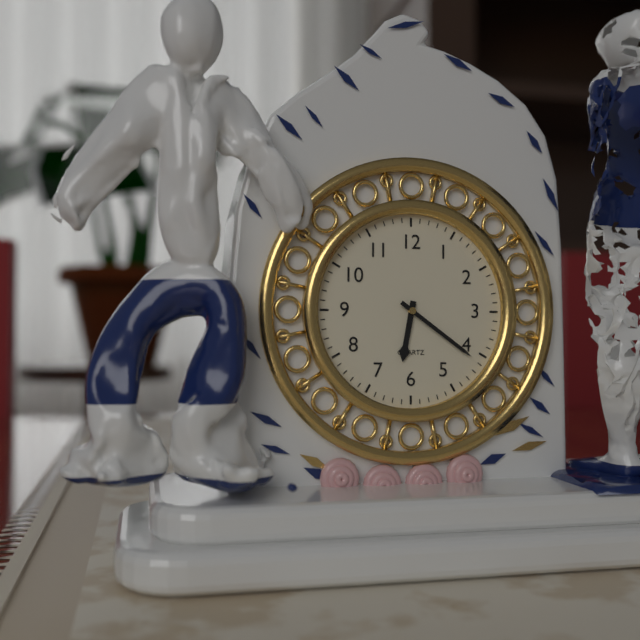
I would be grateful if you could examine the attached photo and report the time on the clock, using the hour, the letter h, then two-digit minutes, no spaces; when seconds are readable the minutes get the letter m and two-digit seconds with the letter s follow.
6h21
